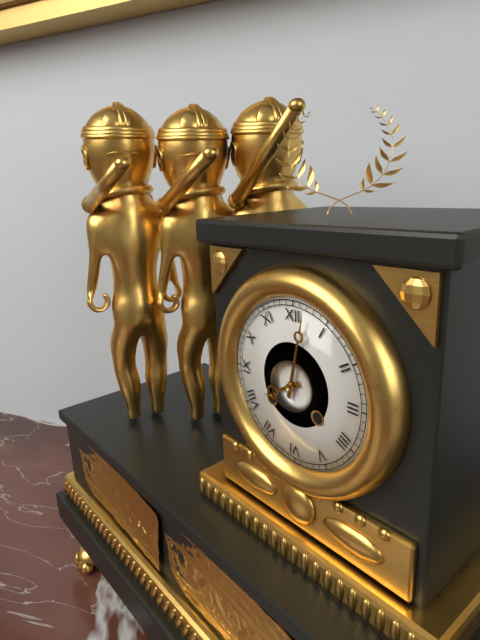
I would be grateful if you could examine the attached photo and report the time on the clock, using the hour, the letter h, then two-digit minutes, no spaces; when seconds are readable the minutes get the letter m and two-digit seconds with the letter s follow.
8h02
